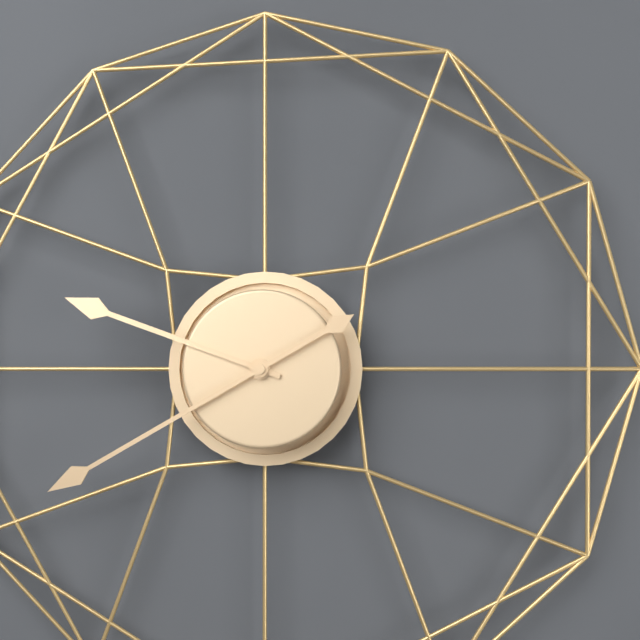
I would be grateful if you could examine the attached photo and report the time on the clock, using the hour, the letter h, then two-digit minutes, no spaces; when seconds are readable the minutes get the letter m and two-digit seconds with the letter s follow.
9h40
